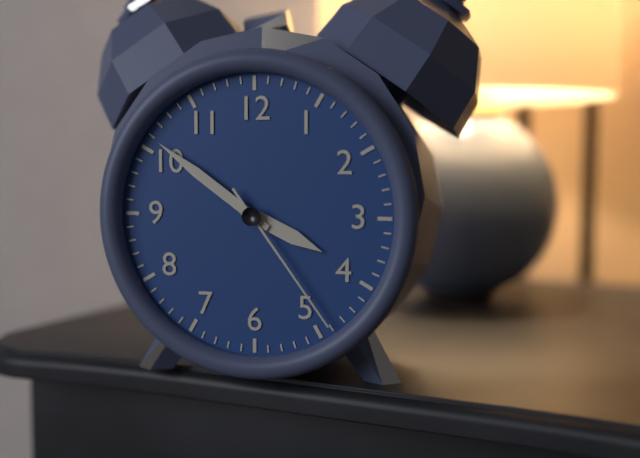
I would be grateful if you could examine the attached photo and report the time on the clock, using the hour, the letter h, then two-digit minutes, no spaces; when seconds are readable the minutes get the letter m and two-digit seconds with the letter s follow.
3h51m24s
